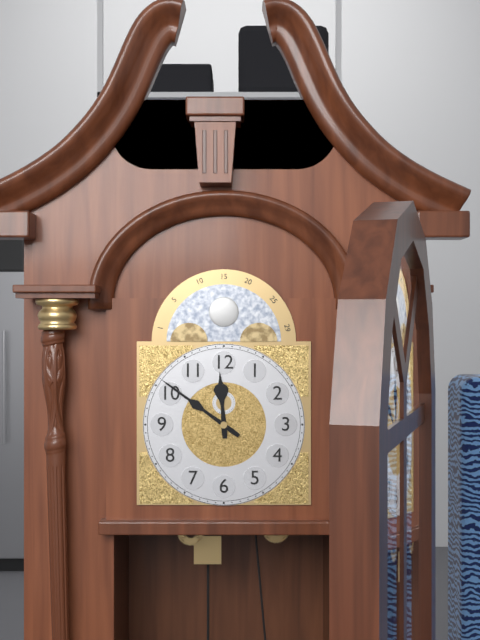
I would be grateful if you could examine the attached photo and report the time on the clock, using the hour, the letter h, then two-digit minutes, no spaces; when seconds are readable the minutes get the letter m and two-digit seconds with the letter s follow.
11h51
